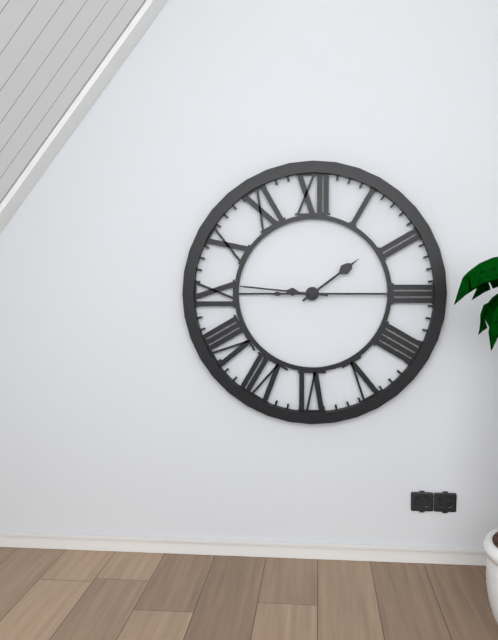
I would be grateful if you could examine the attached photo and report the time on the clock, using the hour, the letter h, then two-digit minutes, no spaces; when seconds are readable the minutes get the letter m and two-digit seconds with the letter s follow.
1h46m15s
